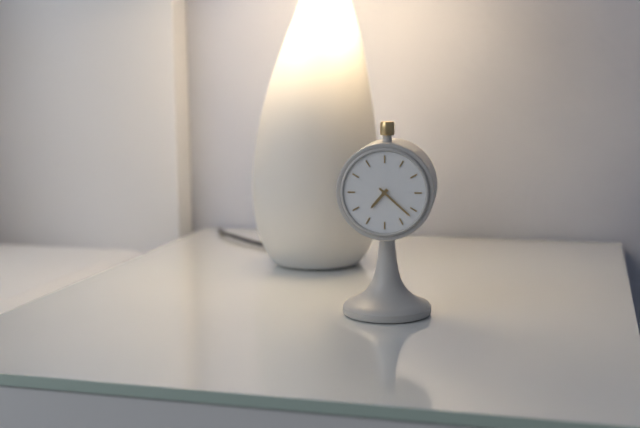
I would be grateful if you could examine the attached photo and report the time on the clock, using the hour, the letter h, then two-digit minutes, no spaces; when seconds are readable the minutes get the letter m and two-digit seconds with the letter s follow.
7h22
